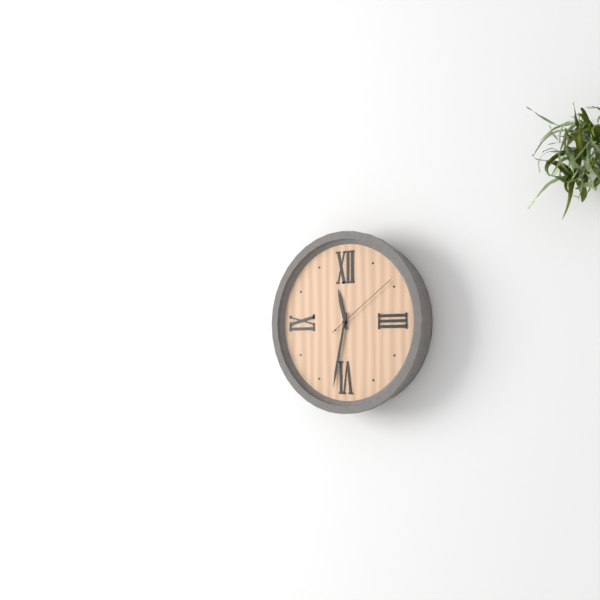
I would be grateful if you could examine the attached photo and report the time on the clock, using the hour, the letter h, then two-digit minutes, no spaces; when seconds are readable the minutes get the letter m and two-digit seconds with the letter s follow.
11h32m09s
